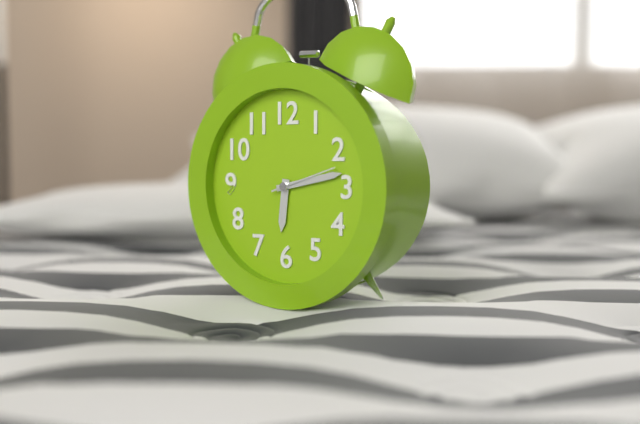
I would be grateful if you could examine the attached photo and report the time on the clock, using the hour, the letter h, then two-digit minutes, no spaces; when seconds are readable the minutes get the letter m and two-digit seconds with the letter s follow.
6h13m12s
